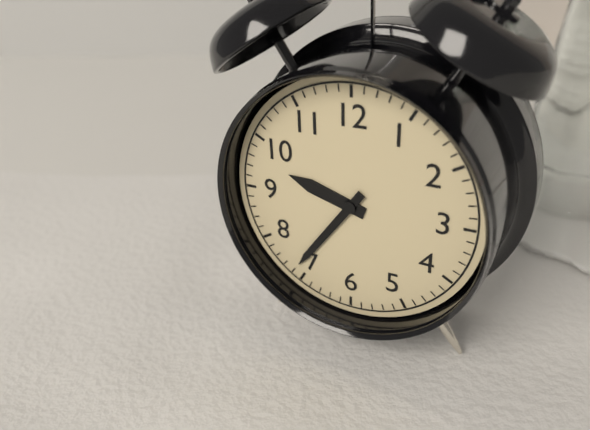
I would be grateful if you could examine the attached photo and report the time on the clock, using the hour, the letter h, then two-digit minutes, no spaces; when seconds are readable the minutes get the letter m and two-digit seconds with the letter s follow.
9h36
